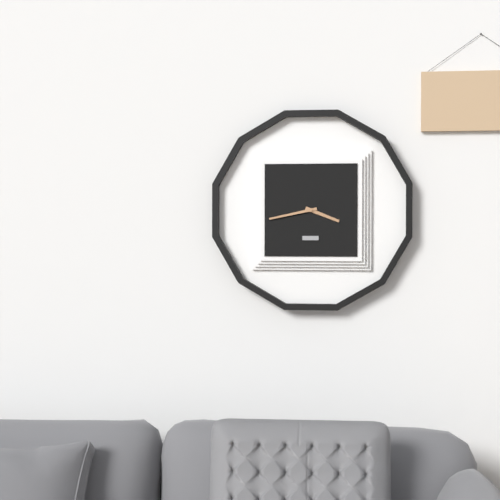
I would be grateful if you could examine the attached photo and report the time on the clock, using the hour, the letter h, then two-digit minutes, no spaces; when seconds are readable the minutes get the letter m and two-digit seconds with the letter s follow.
3h43
